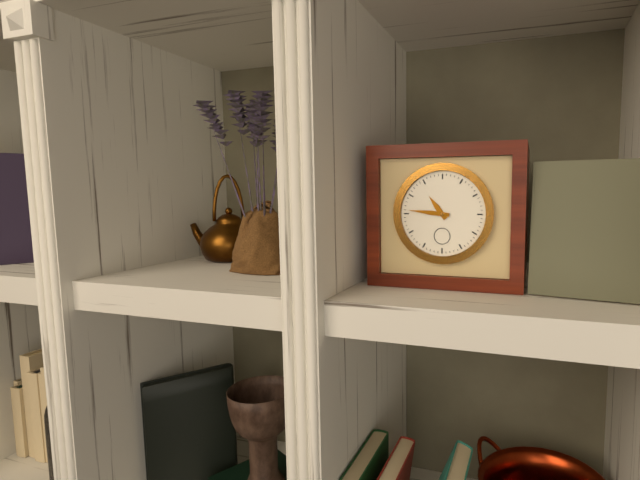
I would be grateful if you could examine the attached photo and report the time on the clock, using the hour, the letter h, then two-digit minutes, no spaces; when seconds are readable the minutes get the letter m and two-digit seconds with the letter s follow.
10h46
